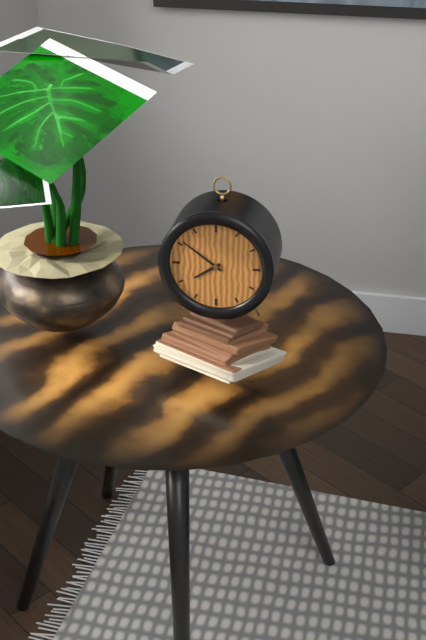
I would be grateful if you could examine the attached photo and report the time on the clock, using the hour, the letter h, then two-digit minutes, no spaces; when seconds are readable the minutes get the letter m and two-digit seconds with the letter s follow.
7h51
